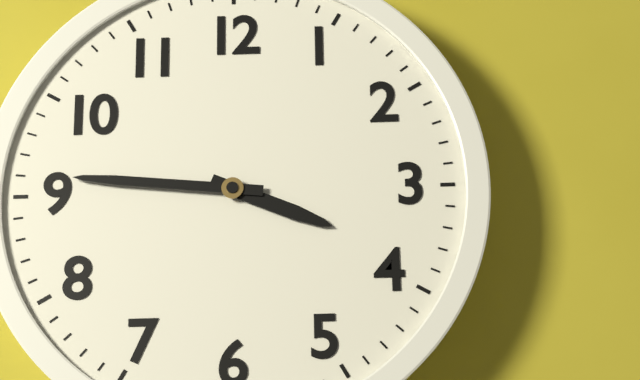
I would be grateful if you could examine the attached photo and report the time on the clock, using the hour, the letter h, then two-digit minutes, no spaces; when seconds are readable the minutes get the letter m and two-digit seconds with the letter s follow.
3h46
